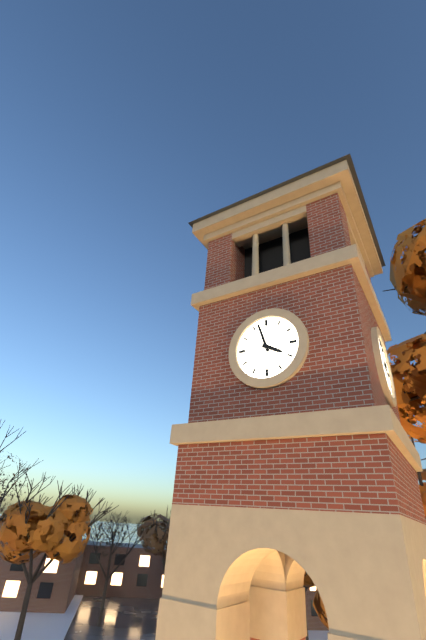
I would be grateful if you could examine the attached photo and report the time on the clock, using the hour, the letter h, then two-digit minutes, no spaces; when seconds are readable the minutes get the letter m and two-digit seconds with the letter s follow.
3h57
